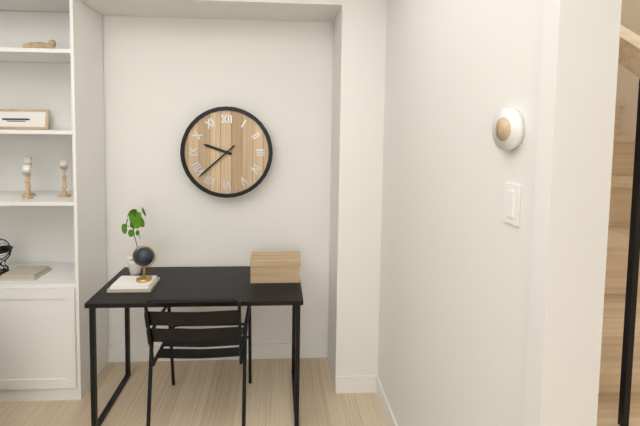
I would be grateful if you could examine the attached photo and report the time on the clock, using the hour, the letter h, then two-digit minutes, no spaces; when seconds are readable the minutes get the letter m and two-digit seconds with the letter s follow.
9h38
